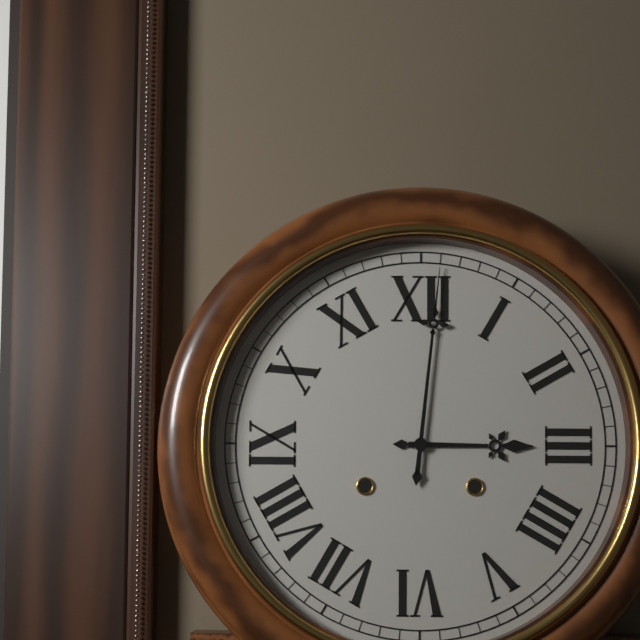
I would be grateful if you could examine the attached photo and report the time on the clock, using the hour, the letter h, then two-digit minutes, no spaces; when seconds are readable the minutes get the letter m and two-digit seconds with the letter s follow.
3h01
